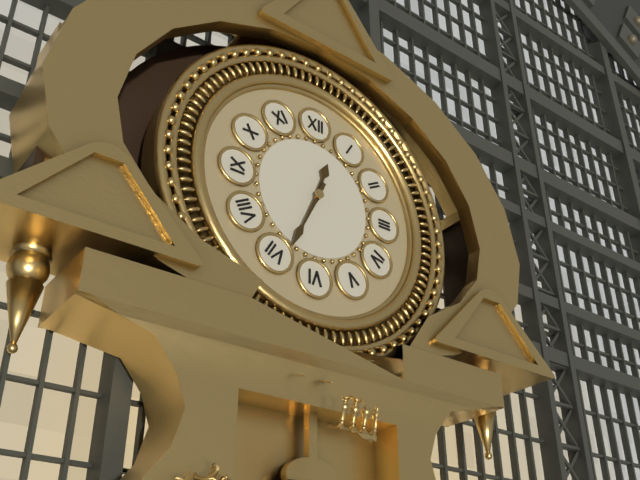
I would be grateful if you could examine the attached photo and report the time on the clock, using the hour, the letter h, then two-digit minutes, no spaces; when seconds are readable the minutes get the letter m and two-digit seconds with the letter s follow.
12h34
